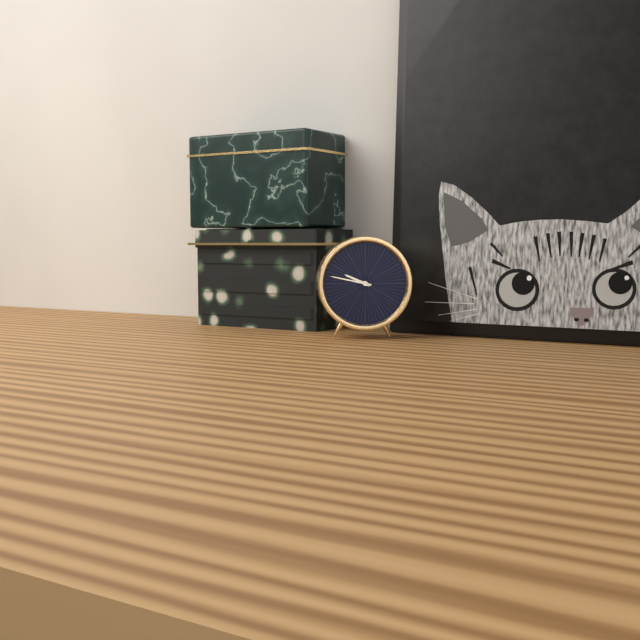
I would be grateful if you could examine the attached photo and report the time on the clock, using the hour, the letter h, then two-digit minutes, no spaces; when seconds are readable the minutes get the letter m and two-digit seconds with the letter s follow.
9h47
